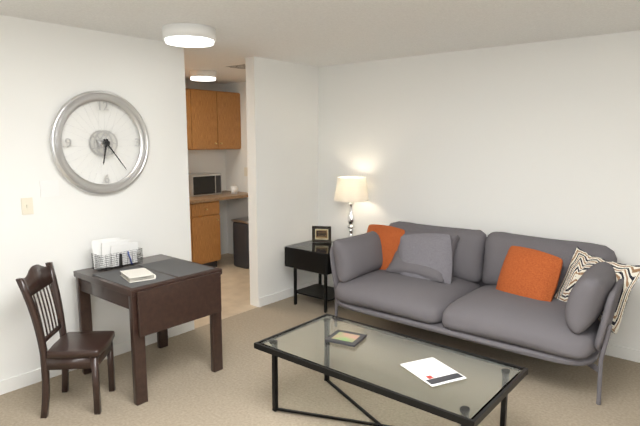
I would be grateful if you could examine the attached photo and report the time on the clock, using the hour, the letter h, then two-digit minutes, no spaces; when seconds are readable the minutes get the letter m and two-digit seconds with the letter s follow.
6h24
